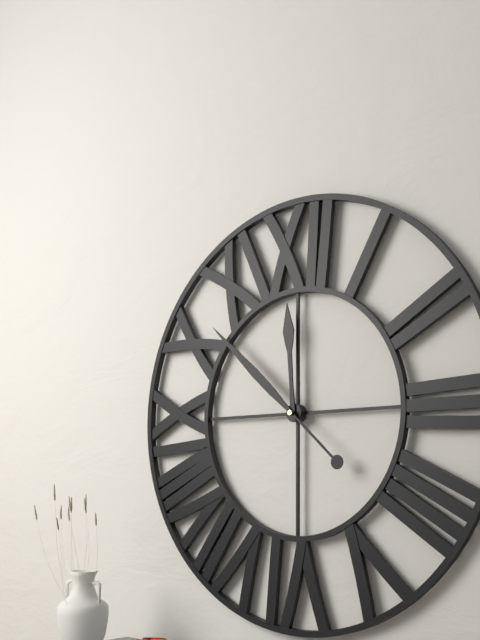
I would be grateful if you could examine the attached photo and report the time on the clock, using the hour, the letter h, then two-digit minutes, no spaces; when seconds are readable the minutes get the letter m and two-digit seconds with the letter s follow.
11h52
